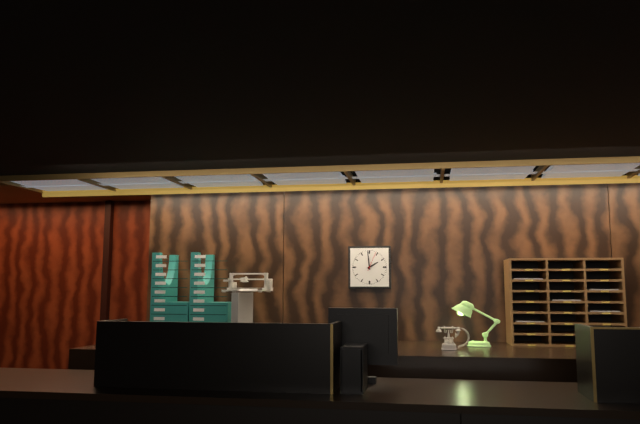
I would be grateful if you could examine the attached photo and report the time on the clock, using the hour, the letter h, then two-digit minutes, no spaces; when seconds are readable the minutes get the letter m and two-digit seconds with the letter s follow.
1h59
